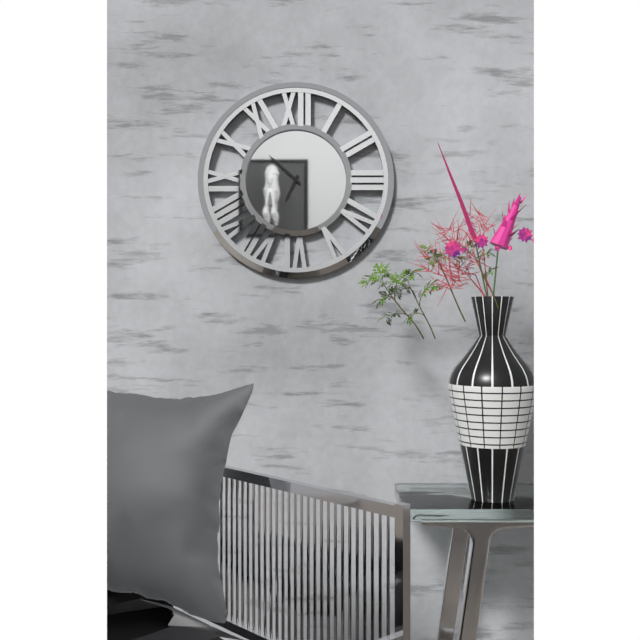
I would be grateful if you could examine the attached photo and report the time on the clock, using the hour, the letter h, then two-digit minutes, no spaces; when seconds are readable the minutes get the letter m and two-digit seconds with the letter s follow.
6h52
